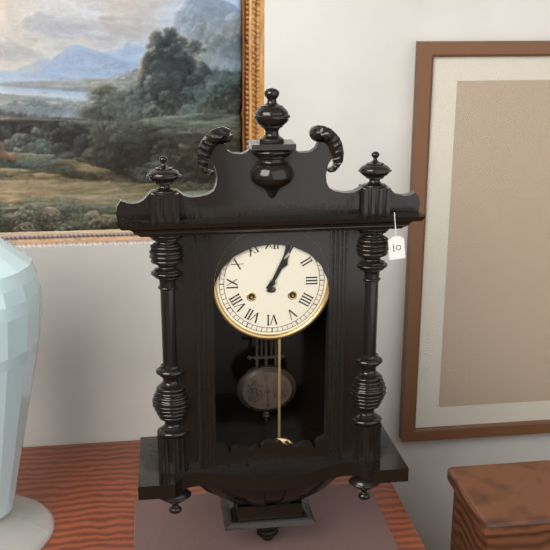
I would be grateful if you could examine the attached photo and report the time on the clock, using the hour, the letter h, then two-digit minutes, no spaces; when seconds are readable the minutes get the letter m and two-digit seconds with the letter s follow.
1h04
